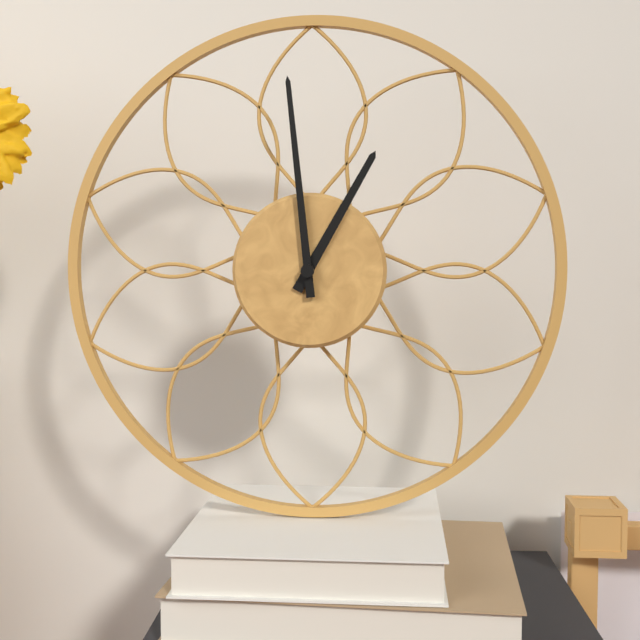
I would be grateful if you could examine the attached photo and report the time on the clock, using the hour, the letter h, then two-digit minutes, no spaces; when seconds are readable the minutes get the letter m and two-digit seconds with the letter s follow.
12h59
